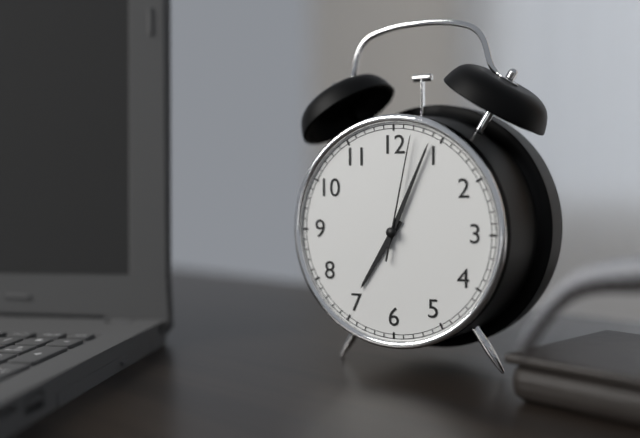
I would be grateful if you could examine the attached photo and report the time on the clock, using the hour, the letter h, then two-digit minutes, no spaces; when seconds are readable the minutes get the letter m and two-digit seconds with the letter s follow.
7h04m02s
